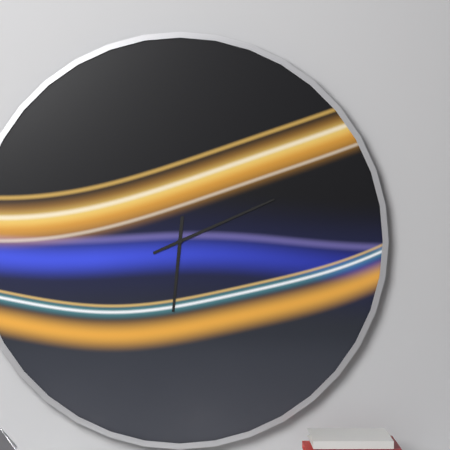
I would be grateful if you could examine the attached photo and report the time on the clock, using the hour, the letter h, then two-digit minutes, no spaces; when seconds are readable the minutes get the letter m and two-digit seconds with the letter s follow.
6h11
